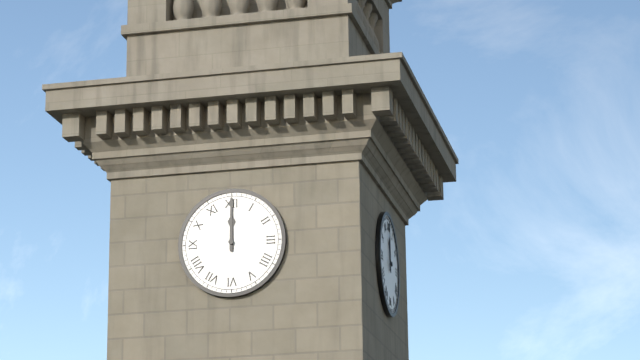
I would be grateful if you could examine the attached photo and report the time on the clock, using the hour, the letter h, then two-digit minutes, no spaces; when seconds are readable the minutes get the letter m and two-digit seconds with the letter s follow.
12h00
